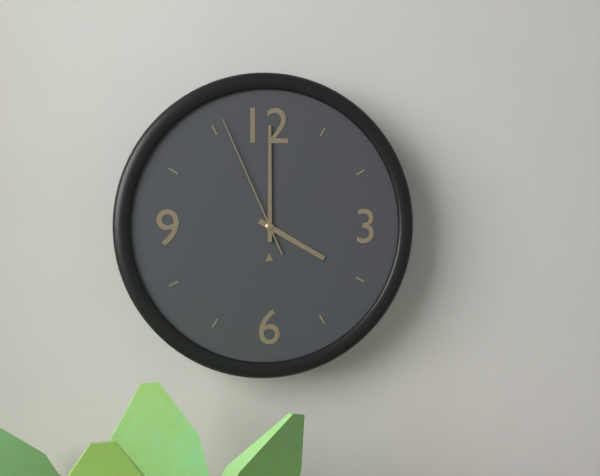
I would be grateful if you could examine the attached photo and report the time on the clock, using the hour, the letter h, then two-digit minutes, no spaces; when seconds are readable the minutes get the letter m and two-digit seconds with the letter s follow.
4h00m56s
